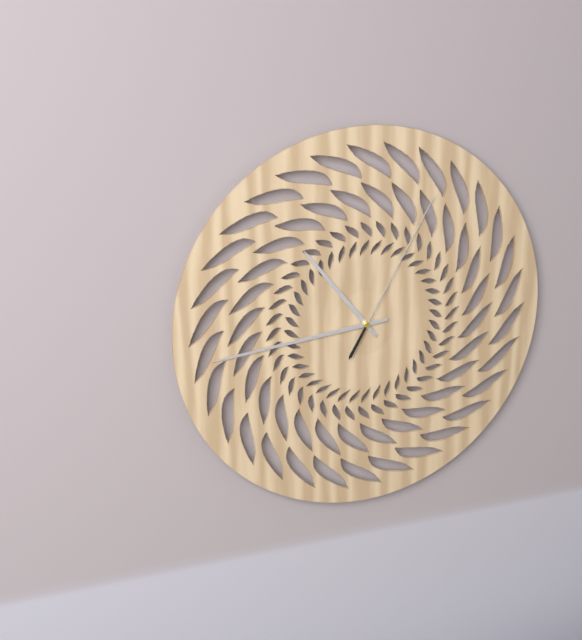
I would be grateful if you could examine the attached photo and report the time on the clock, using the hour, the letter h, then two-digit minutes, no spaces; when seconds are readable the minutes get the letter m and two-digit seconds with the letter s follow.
10h44m05s
